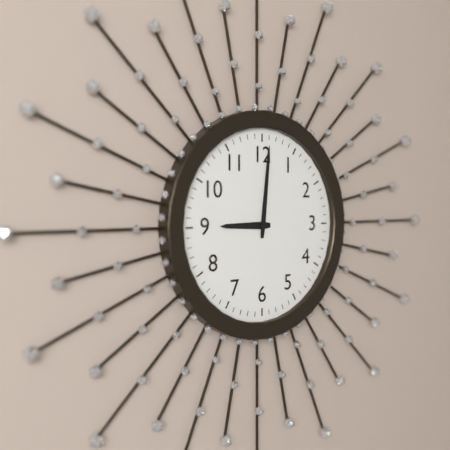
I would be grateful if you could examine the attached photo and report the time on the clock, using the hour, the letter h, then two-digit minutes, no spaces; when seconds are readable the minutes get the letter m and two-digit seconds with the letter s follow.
9h01
